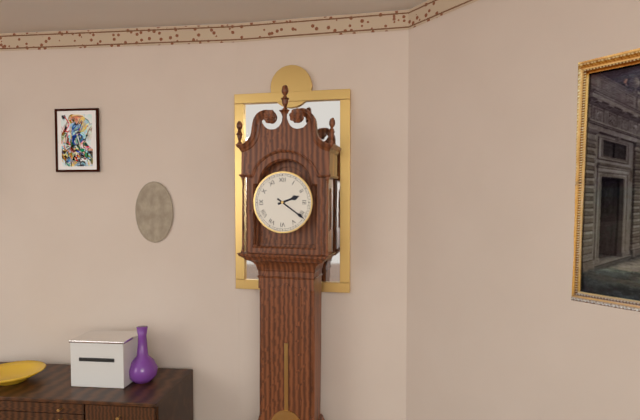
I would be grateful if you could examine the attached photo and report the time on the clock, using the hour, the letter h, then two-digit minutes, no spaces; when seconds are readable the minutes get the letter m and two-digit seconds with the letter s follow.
2h21
